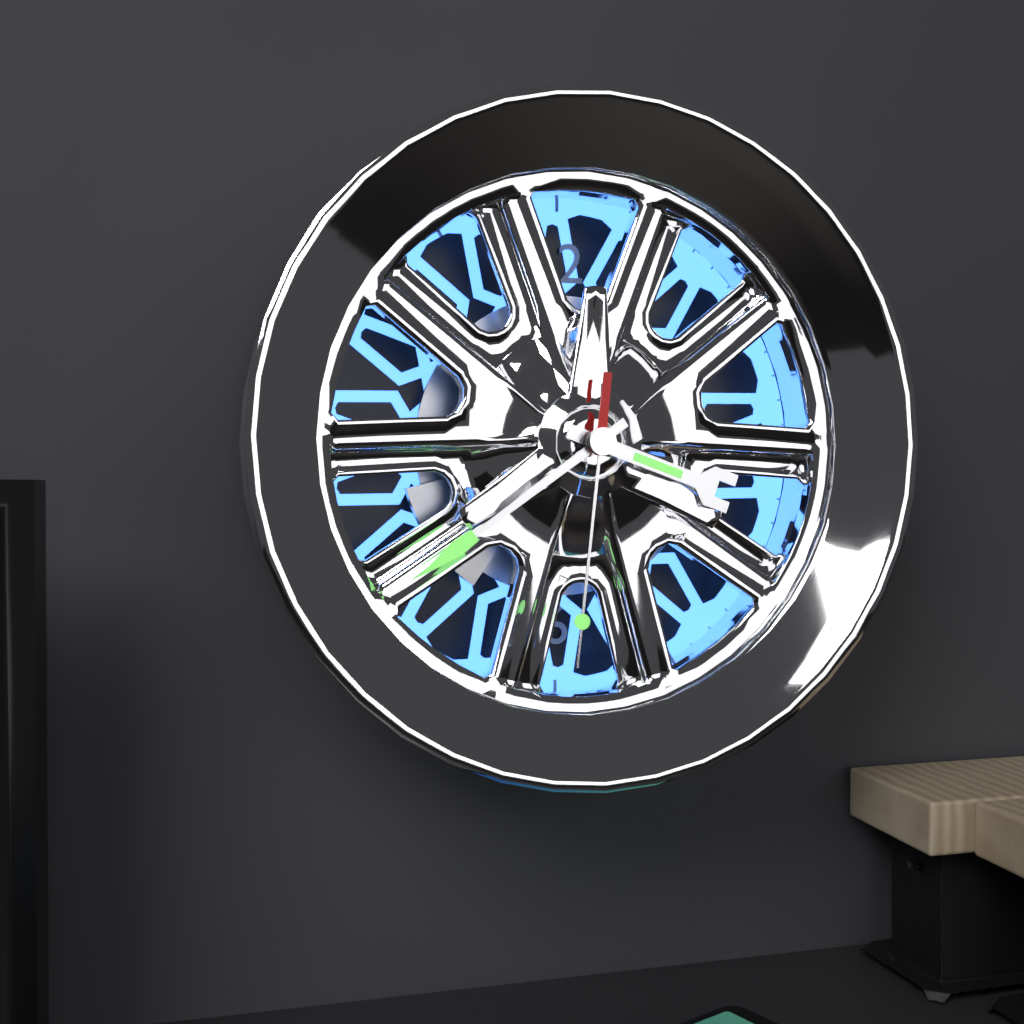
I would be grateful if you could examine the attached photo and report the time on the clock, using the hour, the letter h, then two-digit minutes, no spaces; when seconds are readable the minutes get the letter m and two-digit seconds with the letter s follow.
3h39m31s
